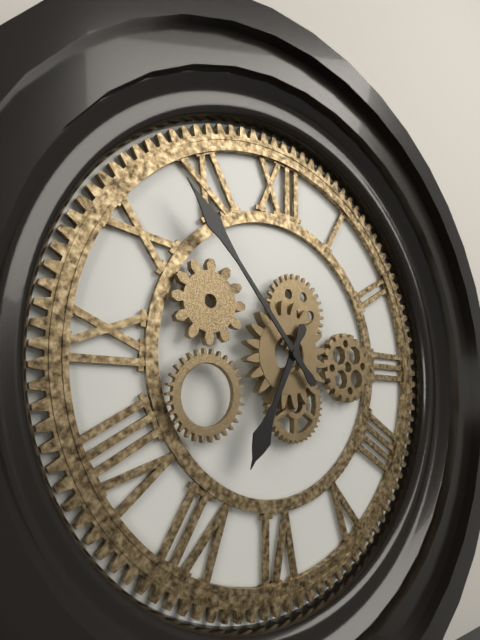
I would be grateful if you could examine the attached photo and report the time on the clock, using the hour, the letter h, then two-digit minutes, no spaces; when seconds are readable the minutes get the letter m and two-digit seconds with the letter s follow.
6h53
